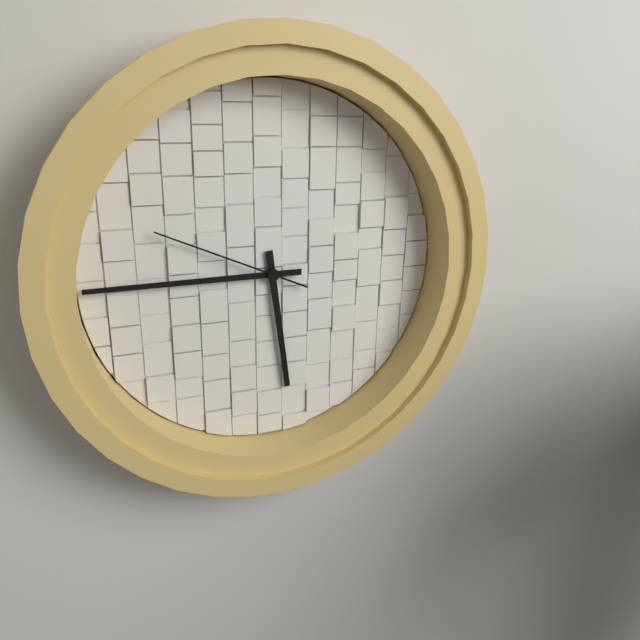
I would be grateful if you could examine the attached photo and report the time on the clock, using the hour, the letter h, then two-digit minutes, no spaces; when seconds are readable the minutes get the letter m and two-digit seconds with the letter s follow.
5h45m49s
